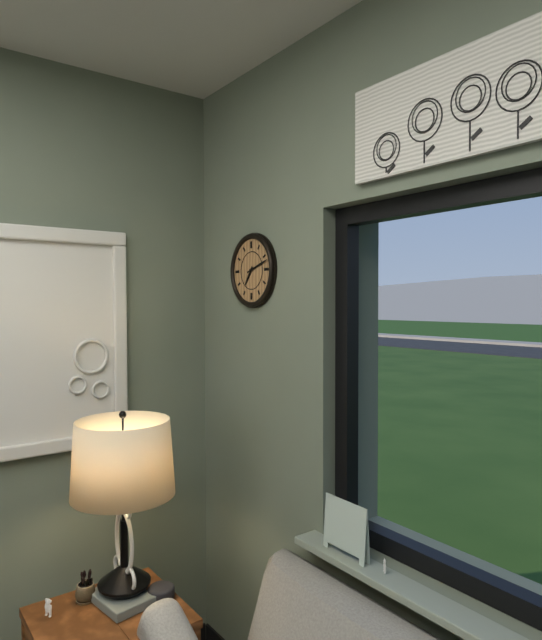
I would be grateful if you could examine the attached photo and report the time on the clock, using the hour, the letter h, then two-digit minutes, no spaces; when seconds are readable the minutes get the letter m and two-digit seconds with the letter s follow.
7h12
